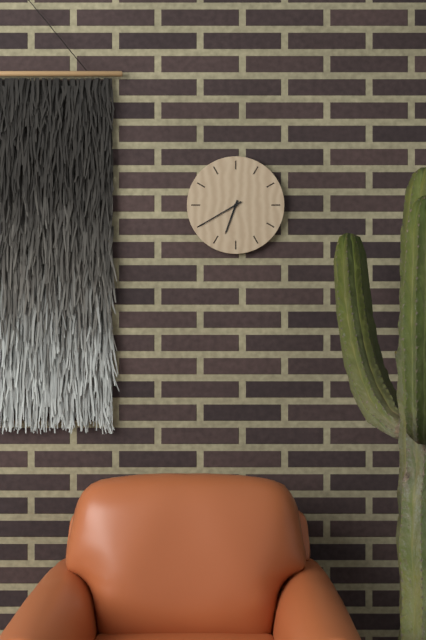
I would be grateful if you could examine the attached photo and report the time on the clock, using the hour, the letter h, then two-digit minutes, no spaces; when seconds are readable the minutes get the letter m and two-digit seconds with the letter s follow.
6h40
